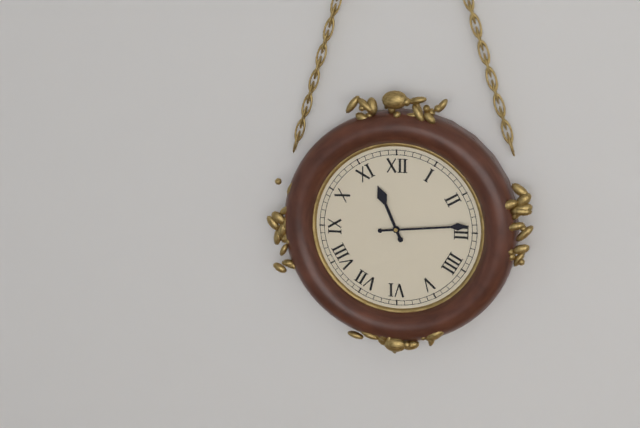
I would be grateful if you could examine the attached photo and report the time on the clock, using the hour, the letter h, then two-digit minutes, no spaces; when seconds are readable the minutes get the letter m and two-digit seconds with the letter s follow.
11h14
